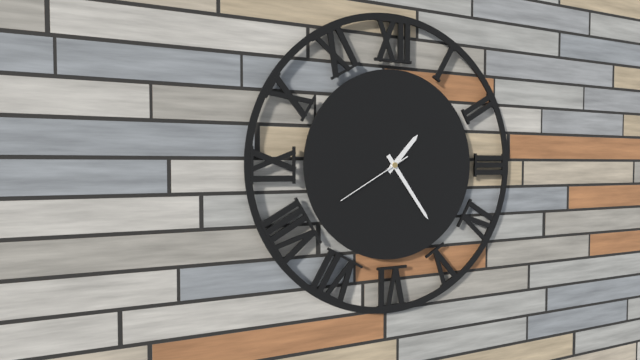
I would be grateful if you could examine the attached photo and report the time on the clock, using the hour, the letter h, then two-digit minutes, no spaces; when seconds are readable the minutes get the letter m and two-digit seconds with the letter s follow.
1h24m40s
